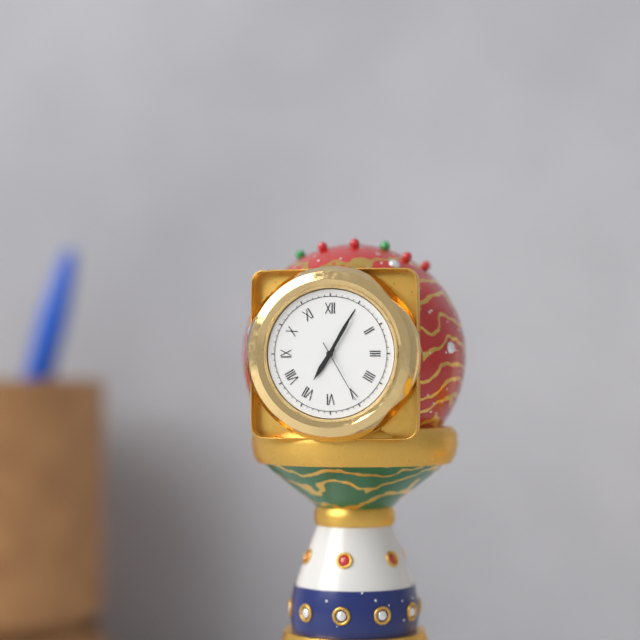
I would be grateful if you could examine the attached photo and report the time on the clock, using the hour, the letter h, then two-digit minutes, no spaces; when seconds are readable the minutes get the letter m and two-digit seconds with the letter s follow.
7h05m25s
